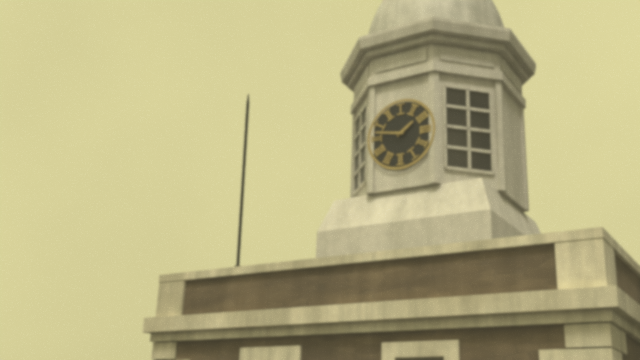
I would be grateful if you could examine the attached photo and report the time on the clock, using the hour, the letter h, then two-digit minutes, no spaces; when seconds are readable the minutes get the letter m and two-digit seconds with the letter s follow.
1h47
